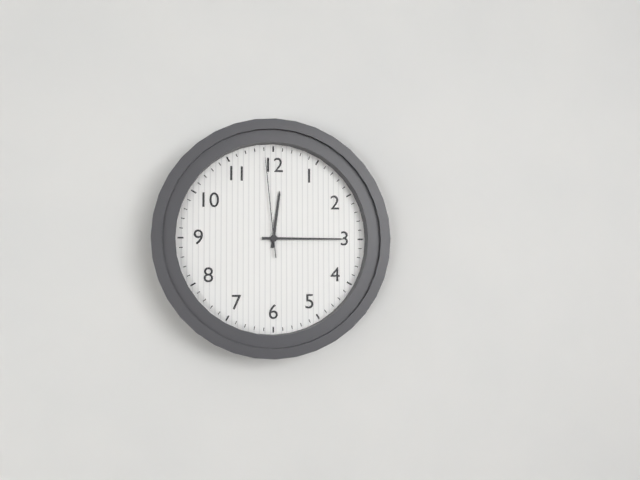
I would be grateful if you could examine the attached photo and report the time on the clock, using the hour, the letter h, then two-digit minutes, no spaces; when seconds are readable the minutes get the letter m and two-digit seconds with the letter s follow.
12h15m59s
